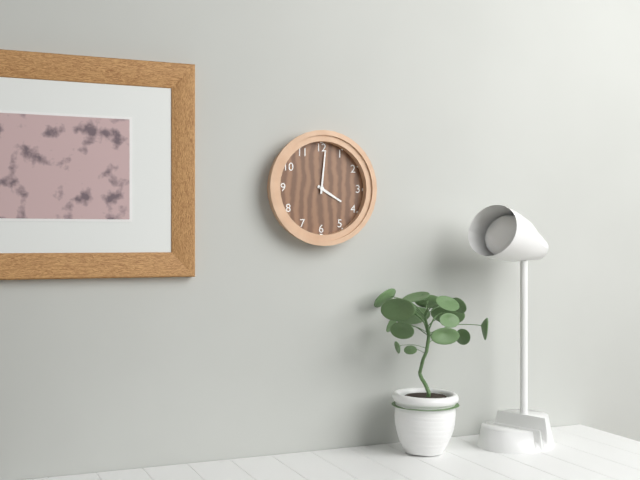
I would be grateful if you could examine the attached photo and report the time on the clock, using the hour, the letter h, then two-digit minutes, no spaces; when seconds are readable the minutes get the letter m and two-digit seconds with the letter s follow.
4h01
